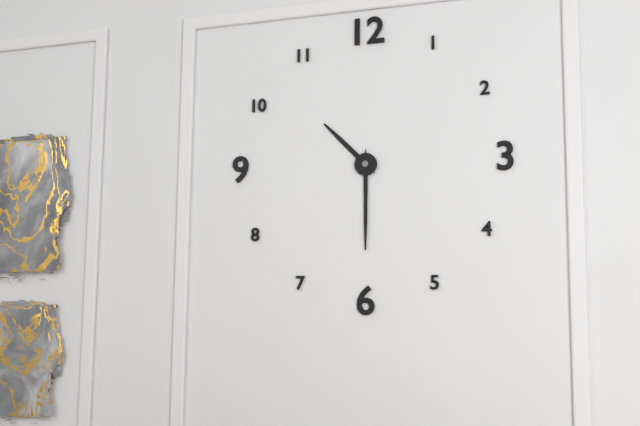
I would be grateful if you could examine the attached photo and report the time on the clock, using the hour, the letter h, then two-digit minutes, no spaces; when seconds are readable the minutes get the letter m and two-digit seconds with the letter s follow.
10h30
